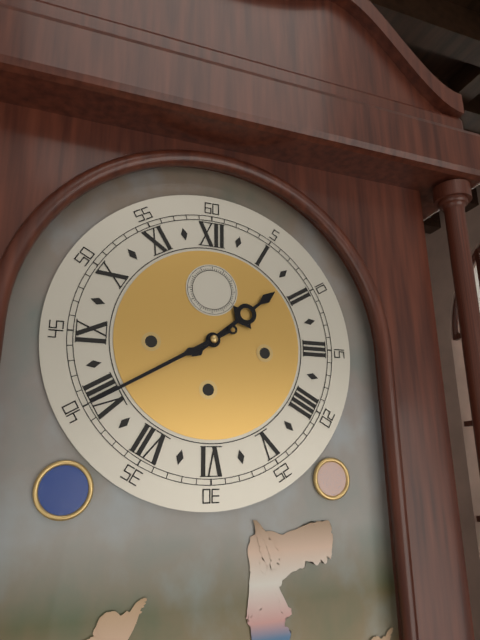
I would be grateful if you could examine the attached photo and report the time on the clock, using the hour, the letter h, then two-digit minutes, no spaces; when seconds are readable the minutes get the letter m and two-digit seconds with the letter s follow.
1h40
